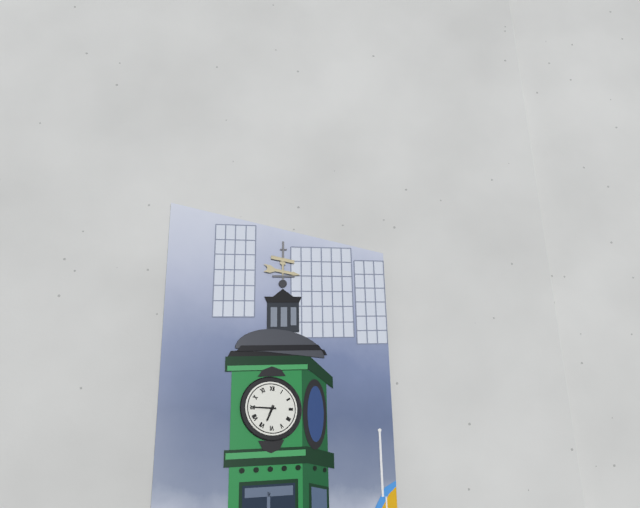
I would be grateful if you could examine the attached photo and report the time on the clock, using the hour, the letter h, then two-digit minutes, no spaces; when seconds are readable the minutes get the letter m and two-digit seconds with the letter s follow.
6h45
